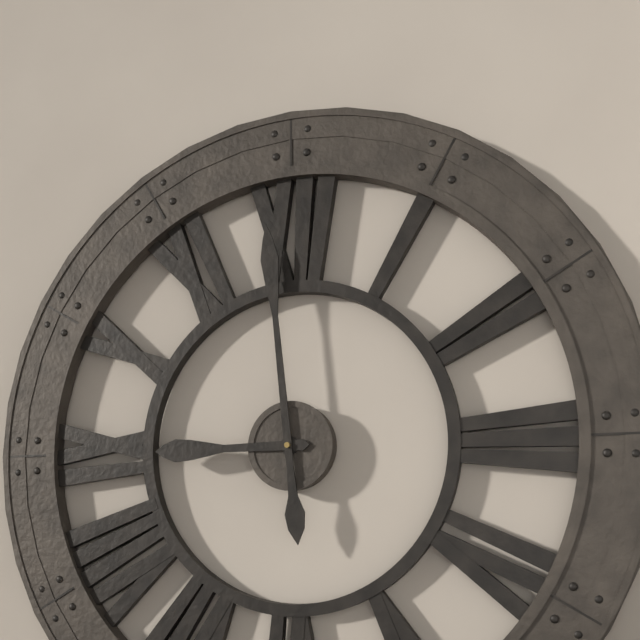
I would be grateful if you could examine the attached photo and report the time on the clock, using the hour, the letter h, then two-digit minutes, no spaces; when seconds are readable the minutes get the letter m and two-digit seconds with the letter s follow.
8h59
